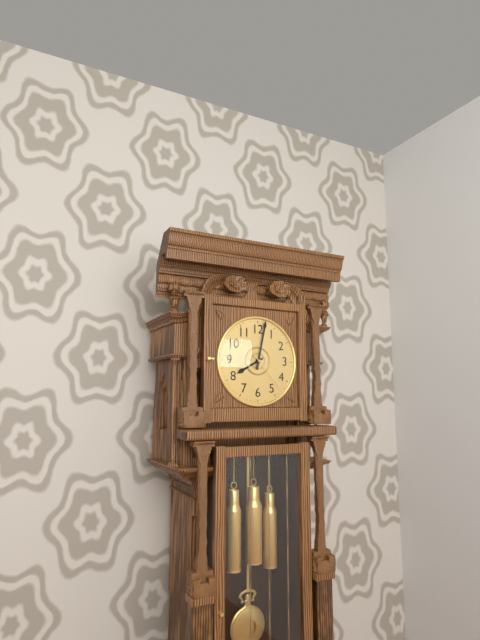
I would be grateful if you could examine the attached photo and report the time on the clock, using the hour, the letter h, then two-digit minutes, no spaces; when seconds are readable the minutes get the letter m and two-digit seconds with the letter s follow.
8h02
